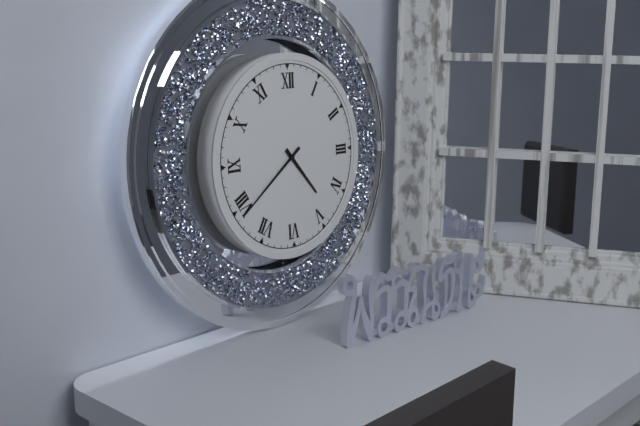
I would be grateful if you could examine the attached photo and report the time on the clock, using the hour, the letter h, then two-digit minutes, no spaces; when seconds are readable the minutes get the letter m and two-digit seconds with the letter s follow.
4h39
